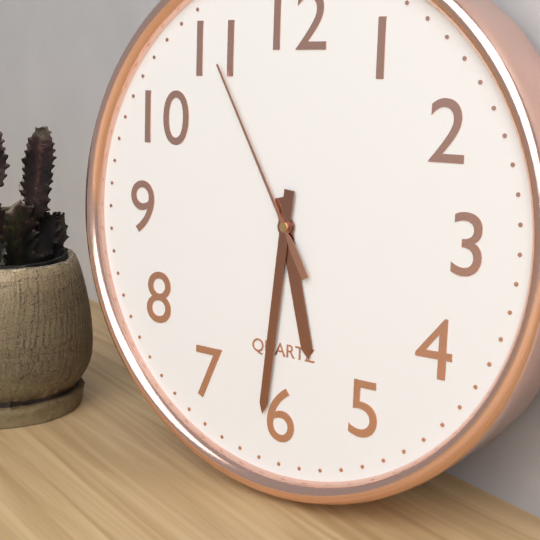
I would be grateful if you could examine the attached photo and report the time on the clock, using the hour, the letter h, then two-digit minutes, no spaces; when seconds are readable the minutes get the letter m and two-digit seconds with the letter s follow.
5h31m55s
